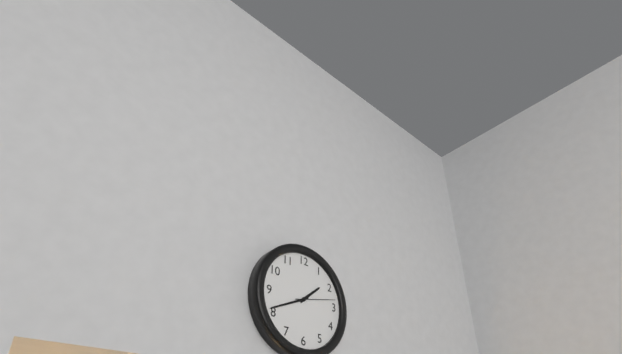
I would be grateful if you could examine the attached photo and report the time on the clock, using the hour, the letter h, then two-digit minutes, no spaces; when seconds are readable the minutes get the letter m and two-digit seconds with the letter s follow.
1h41
